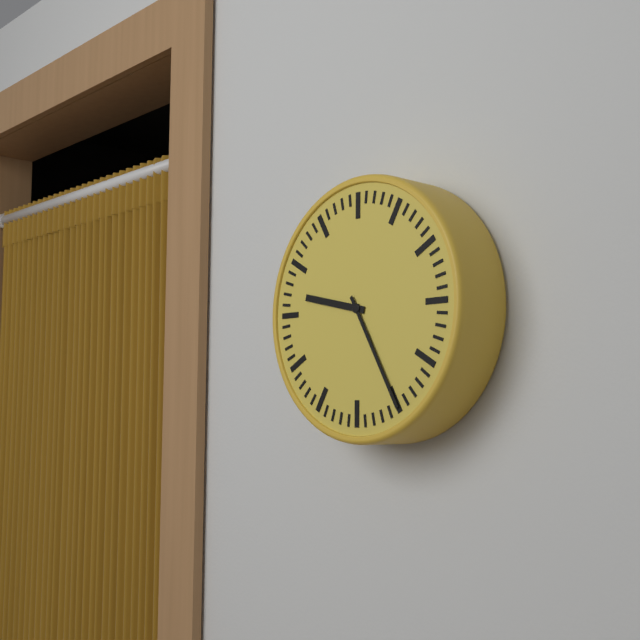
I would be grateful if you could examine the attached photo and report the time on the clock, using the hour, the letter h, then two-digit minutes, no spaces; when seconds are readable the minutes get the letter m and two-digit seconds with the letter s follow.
9h25
